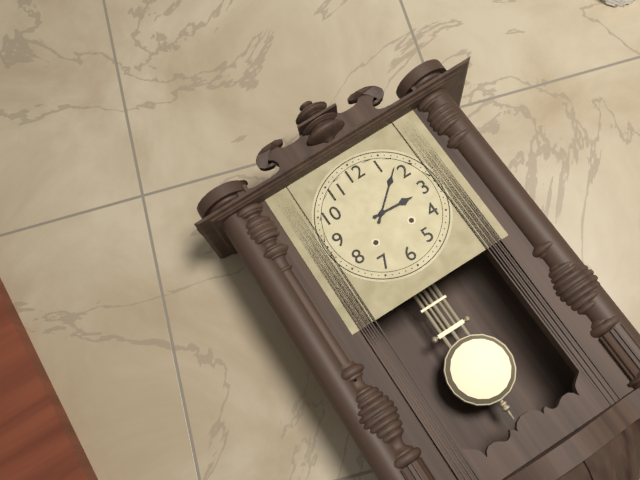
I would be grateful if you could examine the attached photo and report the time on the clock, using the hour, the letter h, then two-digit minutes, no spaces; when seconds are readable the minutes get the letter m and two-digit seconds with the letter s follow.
3h08
